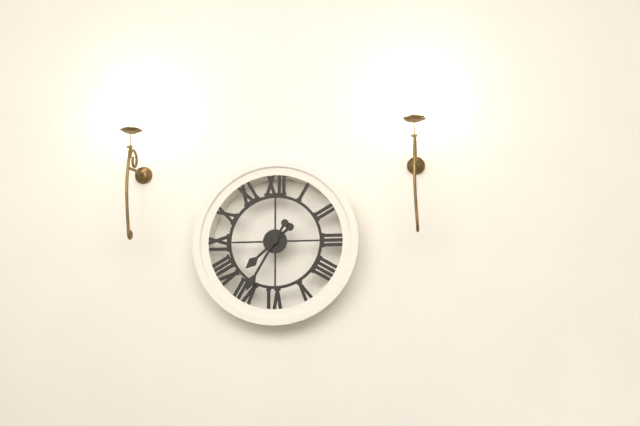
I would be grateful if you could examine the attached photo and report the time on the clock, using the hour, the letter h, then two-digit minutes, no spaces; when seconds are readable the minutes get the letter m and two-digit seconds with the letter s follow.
7h35
